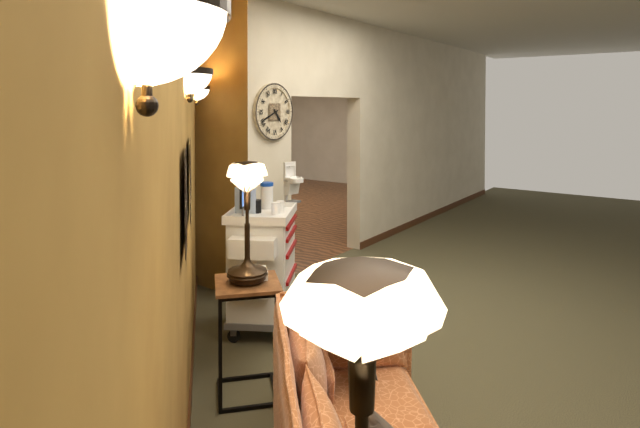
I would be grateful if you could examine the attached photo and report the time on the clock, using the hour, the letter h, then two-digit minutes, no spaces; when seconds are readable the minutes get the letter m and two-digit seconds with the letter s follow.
4h41
